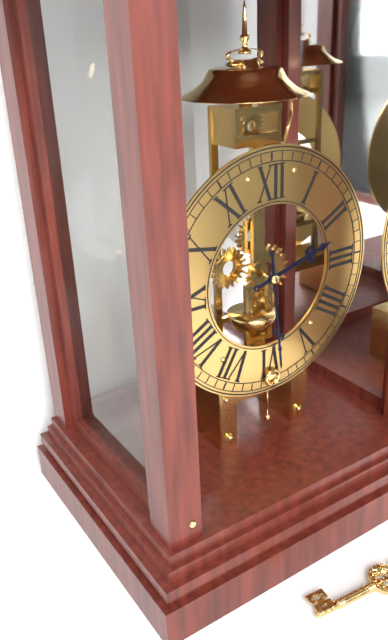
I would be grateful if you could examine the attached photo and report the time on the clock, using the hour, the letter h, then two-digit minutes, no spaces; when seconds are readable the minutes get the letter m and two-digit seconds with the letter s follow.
2h29
